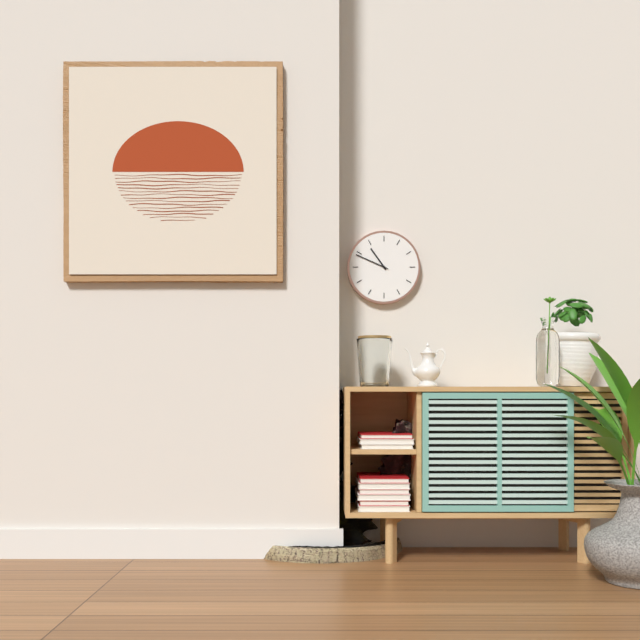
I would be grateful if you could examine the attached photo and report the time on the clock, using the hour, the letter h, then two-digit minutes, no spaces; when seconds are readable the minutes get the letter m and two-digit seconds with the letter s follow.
10h49
